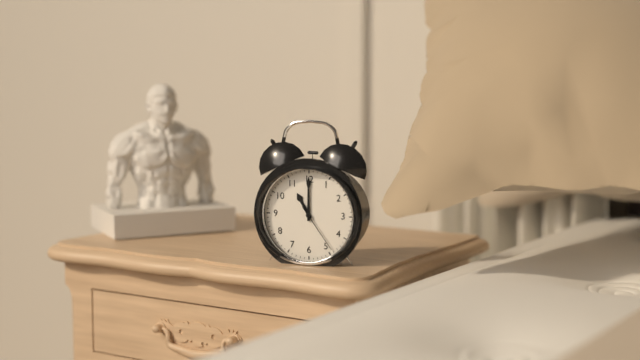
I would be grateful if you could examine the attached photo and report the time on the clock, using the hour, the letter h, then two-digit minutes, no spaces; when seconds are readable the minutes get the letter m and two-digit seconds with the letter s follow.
11h00m24s
